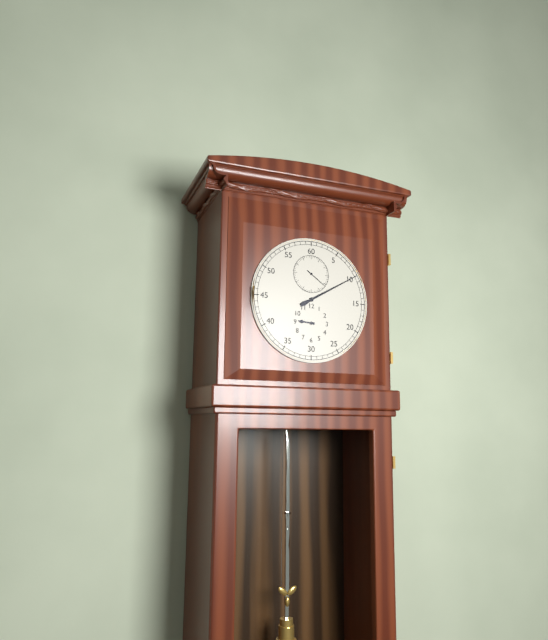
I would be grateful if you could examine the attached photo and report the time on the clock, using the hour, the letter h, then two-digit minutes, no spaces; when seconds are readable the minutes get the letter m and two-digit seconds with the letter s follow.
9h10
